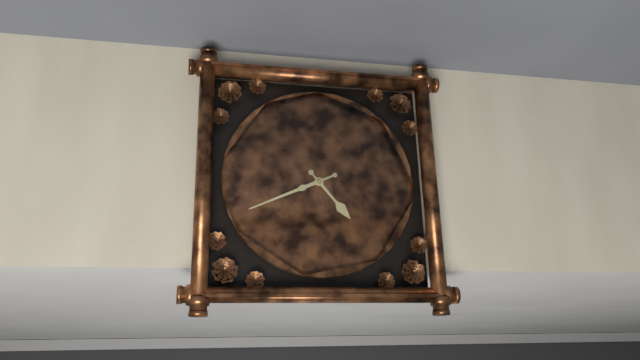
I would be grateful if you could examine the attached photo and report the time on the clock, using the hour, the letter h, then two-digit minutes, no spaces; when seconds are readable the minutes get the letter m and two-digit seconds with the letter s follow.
4h41
